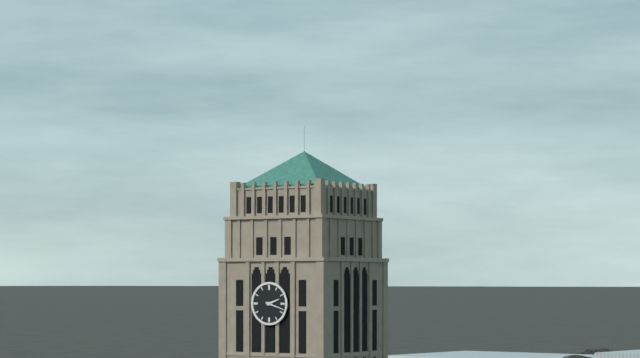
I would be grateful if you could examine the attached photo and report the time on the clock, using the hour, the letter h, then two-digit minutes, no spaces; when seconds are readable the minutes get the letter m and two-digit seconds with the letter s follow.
2h18
